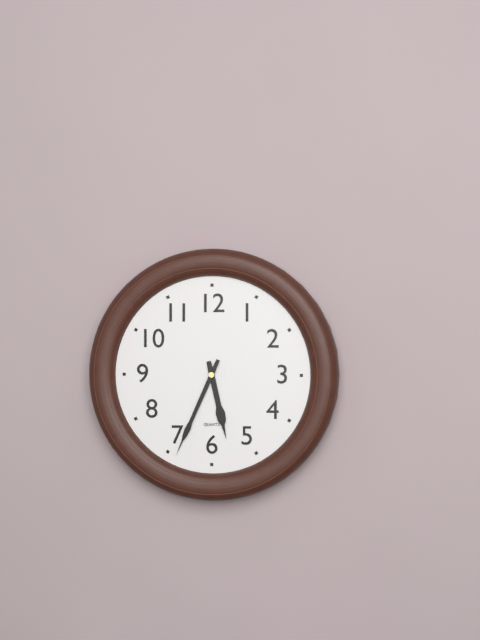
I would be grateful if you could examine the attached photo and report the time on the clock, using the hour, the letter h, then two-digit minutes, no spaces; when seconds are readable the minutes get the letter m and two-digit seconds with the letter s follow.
5h34
